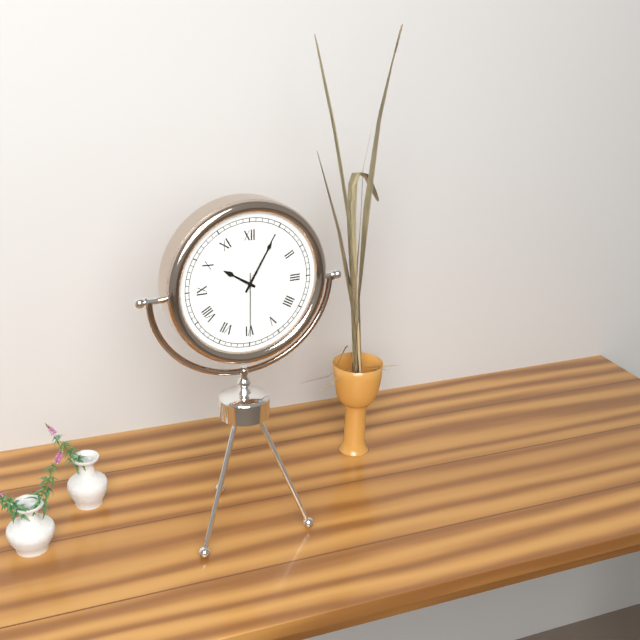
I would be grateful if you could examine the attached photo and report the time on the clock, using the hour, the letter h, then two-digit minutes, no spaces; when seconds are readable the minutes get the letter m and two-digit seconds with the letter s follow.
10h05m30s
